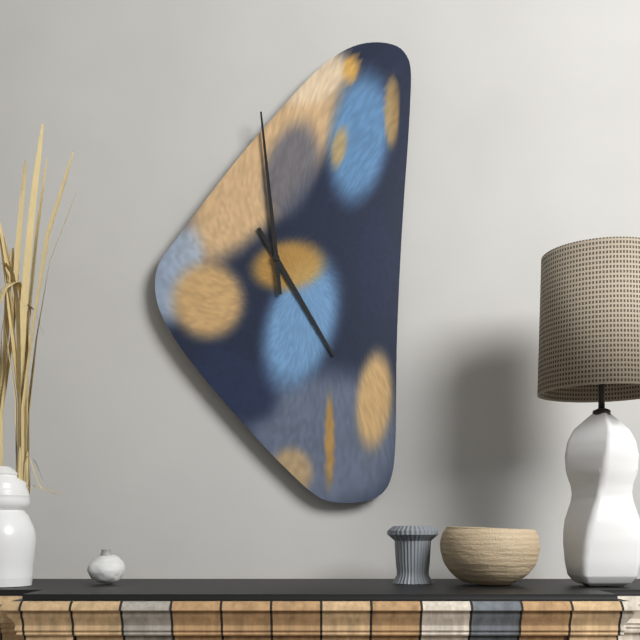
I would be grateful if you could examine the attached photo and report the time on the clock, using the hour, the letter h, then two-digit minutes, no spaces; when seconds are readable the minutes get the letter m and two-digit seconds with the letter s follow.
4h59
